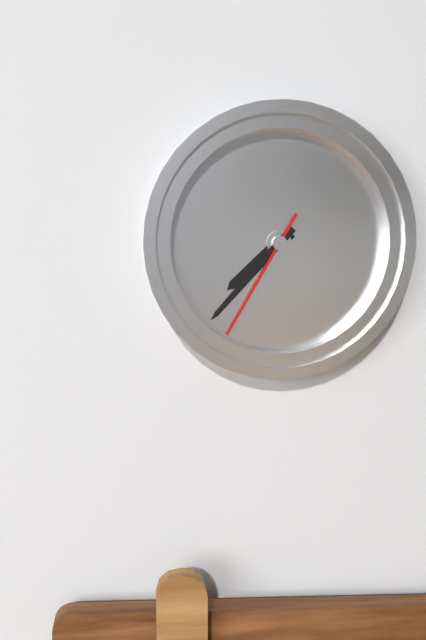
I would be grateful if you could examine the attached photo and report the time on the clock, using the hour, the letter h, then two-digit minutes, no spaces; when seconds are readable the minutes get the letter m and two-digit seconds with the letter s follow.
7h37m35s
